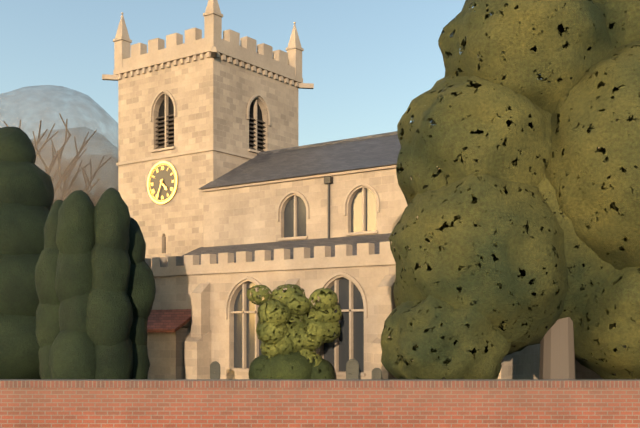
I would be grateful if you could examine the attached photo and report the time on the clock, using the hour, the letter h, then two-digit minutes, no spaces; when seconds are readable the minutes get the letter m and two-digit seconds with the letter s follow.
4h34
